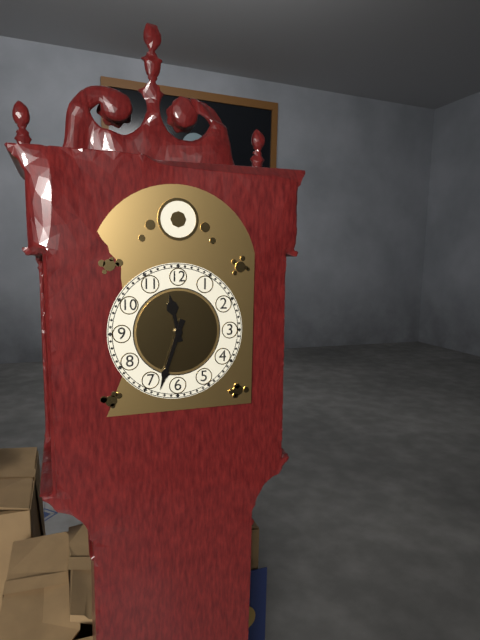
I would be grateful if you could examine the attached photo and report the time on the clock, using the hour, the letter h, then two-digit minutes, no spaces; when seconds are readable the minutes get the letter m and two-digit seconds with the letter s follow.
11h33
